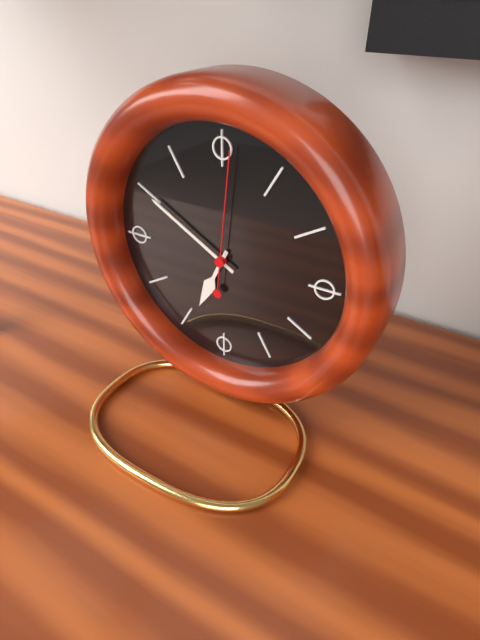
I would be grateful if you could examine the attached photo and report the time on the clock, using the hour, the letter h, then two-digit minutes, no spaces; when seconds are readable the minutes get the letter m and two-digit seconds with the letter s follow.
6h50m01s
